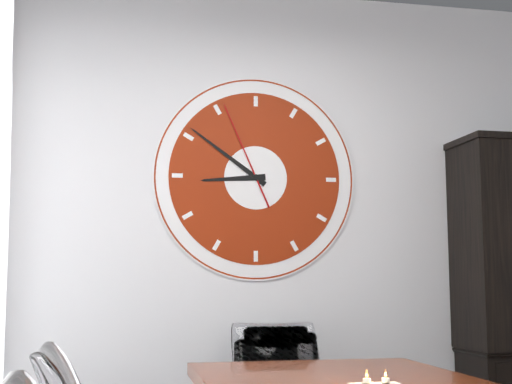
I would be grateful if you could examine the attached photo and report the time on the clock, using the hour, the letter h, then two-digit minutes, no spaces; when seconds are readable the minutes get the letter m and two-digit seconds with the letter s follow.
8h51m56s
